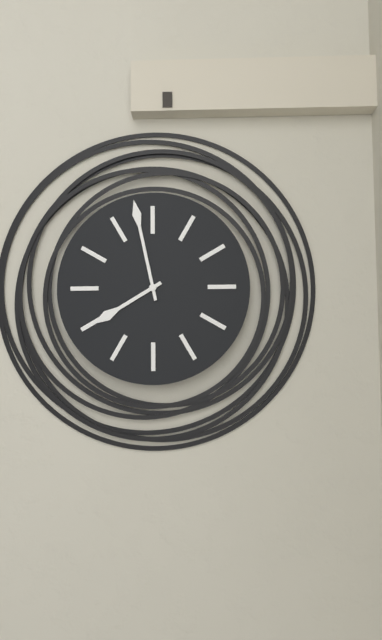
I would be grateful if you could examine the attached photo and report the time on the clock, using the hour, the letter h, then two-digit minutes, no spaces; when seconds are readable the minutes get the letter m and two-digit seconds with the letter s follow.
7h58
